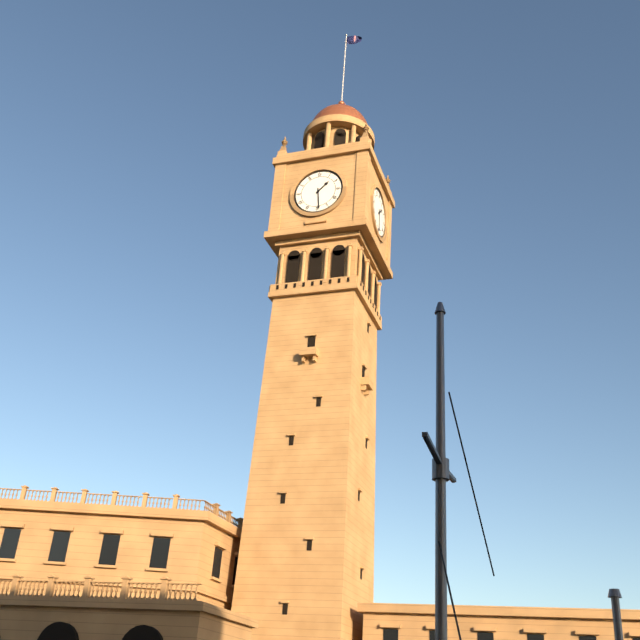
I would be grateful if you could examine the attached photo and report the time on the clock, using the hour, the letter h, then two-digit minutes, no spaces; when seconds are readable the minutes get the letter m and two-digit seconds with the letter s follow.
1h29
